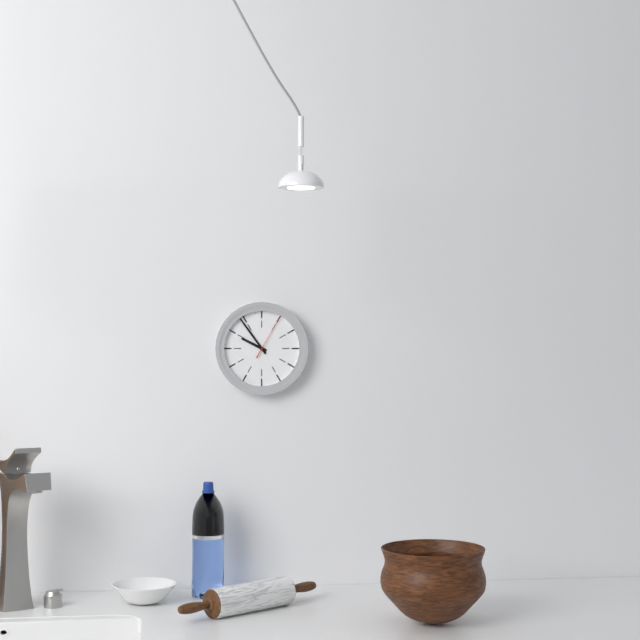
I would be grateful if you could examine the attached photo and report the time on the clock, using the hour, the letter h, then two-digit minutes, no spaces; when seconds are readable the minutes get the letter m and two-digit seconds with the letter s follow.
9h54
